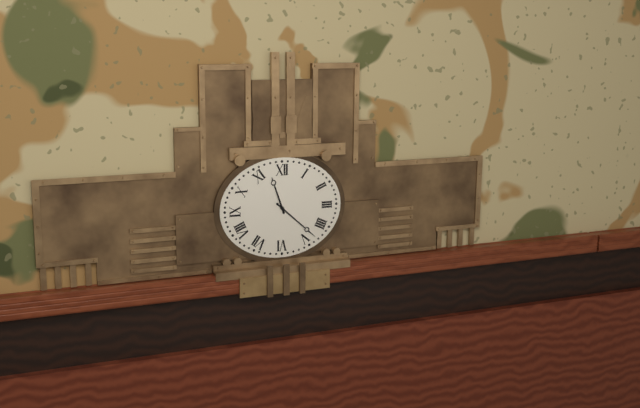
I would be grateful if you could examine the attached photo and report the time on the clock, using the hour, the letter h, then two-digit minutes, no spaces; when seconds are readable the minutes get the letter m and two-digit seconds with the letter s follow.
11h22
